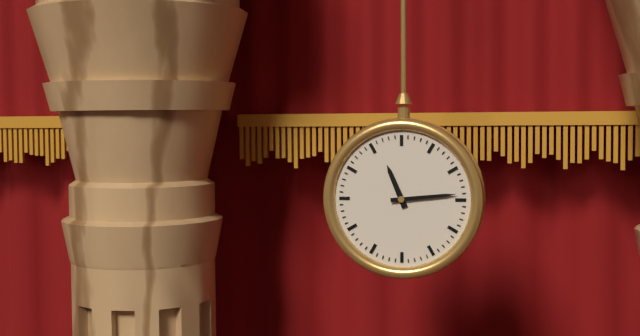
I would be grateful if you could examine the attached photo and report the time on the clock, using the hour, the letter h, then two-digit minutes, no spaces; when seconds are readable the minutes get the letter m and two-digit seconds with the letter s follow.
11h14
